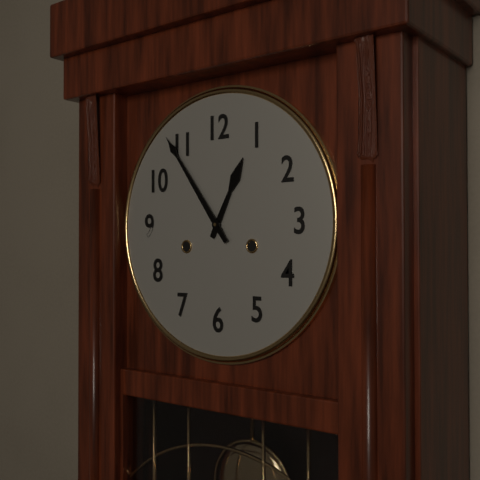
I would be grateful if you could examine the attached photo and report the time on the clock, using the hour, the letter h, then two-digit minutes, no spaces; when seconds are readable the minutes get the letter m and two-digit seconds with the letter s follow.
12h54
